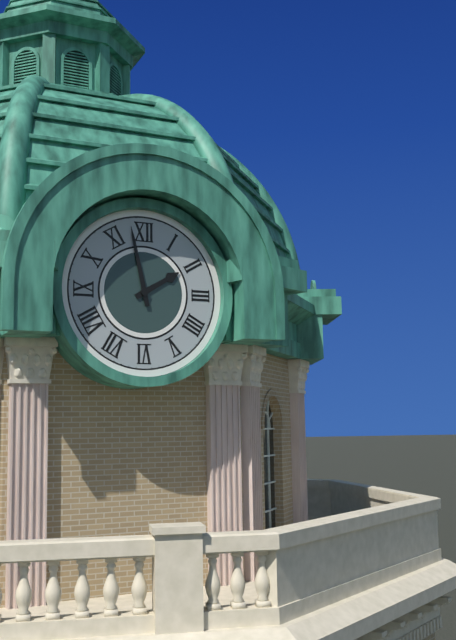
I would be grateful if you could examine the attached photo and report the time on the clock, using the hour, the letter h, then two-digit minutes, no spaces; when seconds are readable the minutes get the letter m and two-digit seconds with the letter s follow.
1h58
